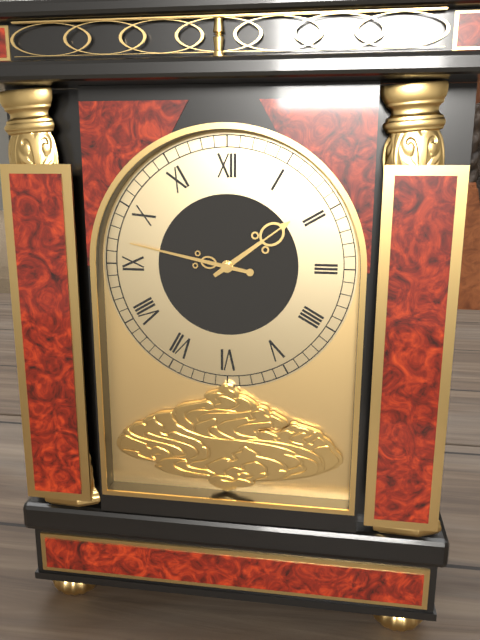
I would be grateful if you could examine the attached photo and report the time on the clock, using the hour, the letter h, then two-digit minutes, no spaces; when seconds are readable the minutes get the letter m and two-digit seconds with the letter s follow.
1h47
